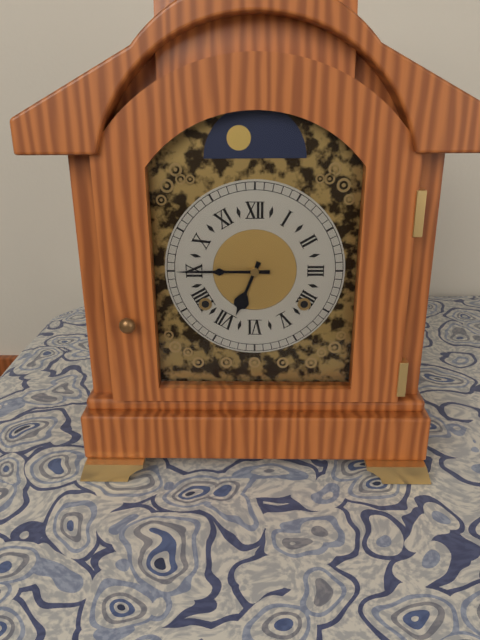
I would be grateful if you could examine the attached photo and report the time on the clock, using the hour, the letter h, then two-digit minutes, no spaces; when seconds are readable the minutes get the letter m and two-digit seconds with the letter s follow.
6h45
